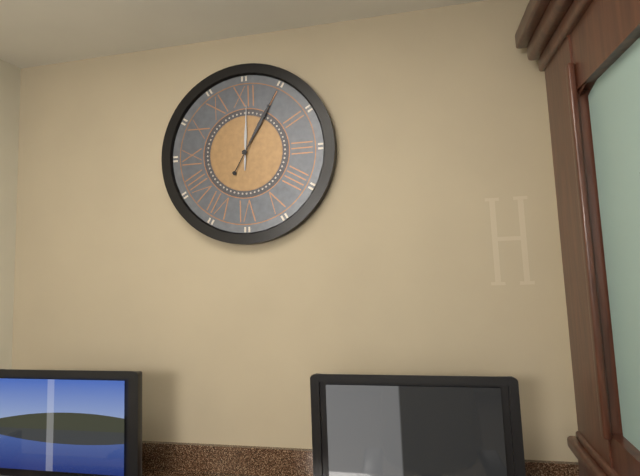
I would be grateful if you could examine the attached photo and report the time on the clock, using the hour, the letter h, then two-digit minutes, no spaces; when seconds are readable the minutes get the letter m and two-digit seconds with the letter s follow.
12h05
